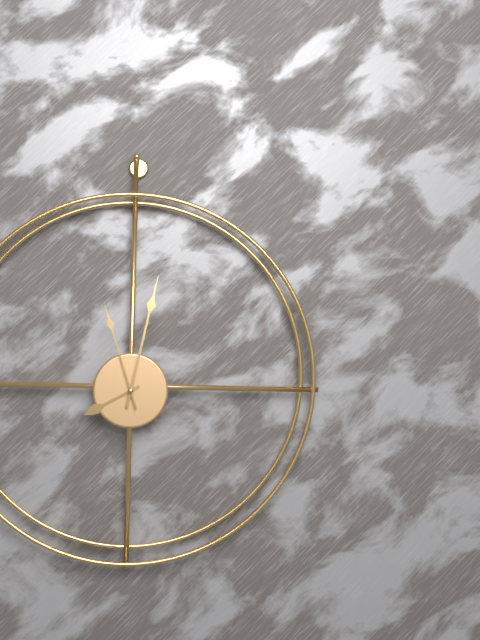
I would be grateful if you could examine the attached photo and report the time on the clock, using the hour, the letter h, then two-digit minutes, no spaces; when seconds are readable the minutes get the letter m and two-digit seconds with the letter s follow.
8h02m57s
